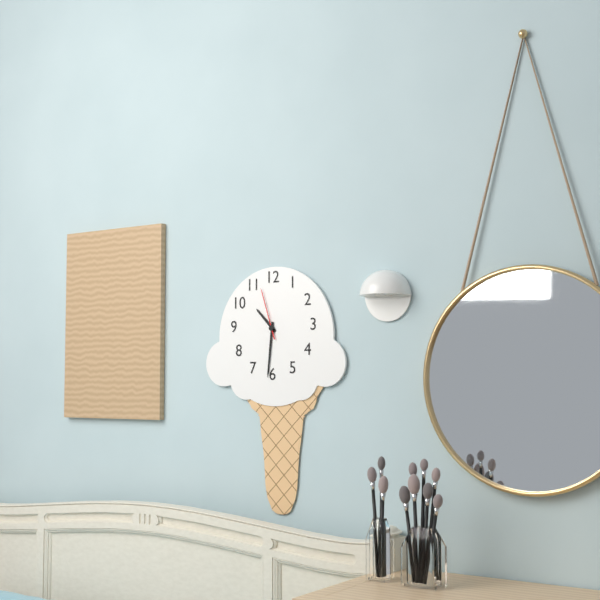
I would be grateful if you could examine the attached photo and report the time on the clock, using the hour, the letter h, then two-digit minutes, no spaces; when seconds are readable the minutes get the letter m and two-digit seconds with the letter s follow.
10h31m57s
